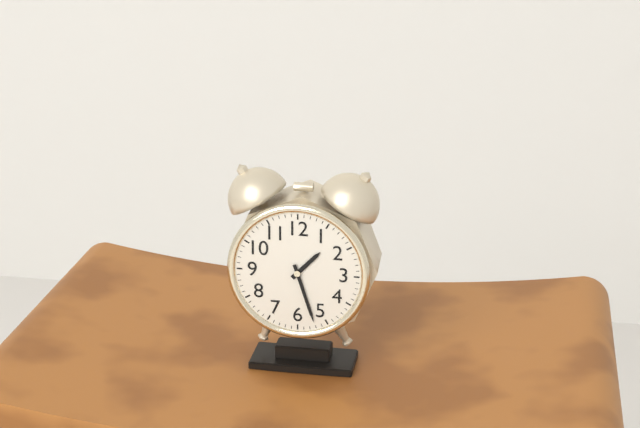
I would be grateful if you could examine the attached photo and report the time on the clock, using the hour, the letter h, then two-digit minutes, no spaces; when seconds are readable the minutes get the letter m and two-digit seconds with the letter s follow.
1h27
